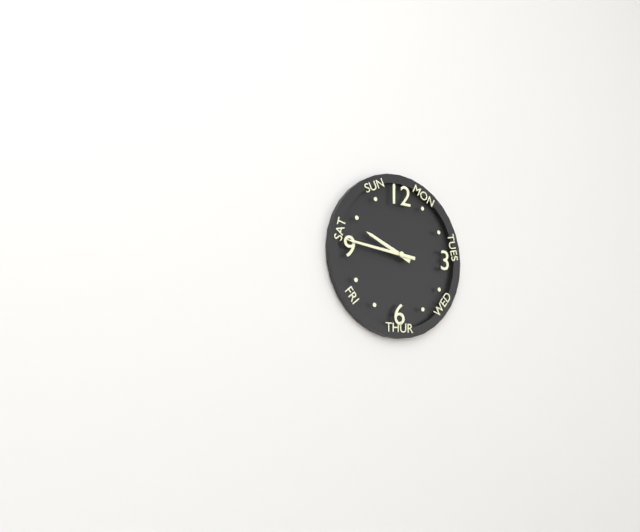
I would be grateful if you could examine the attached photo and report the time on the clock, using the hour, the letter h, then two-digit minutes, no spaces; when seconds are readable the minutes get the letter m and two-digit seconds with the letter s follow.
9h46
